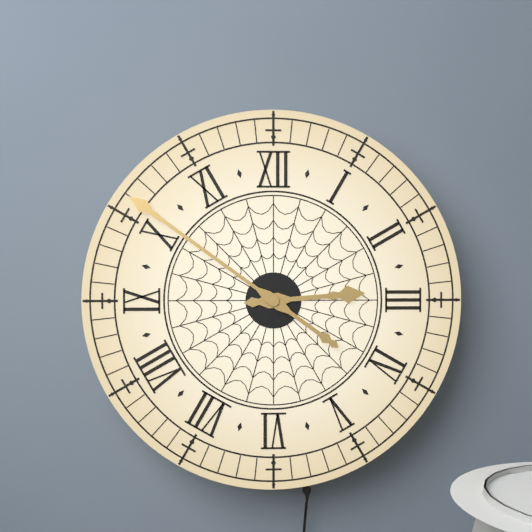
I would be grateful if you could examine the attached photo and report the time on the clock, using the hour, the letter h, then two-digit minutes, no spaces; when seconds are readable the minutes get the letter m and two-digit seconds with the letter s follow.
2h51
